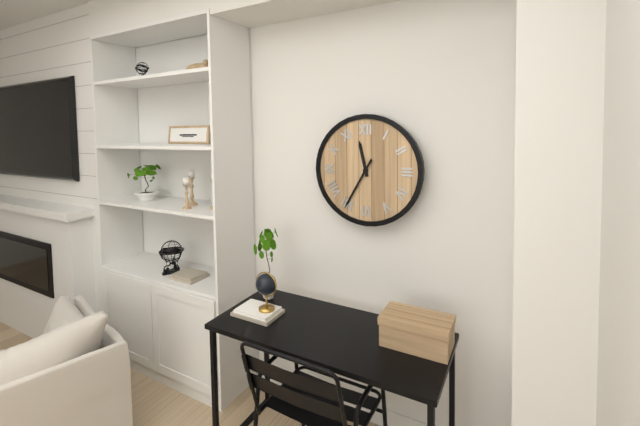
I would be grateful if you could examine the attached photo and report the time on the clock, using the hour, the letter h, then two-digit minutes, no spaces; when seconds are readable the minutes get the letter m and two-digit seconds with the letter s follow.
11h35
